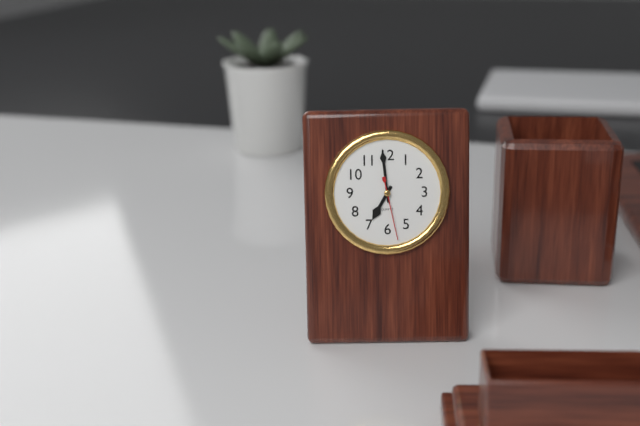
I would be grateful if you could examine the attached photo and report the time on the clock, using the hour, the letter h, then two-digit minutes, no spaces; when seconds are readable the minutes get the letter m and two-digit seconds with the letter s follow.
6h59m28s
